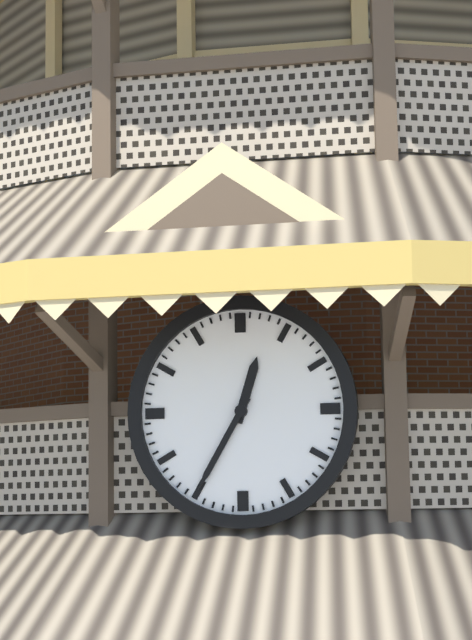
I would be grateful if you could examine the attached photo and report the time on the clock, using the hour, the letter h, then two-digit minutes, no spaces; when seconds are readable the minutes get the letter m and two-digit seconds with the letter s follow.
12h35
